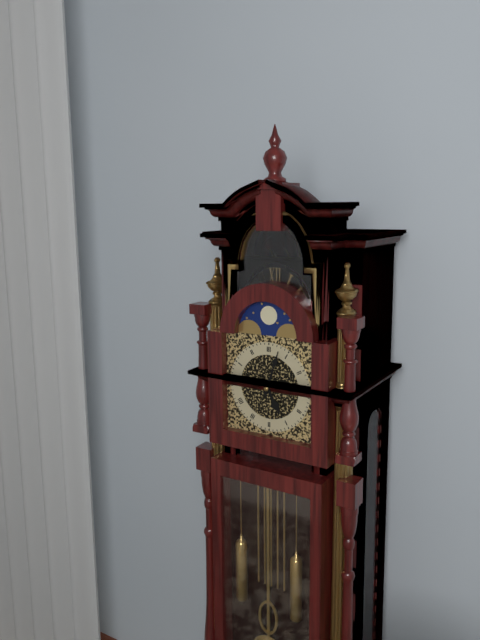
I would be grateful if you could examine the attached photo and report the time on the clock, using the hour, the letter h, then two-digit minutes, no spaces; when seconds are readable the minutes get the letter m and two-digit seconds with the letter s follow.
5h03
